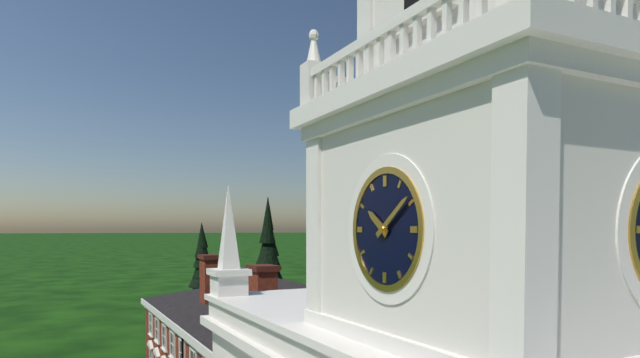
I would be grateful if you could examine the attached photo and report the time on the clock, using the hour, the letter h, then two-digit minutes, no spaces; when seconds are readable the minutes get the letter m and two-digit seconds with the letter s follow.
10h09
